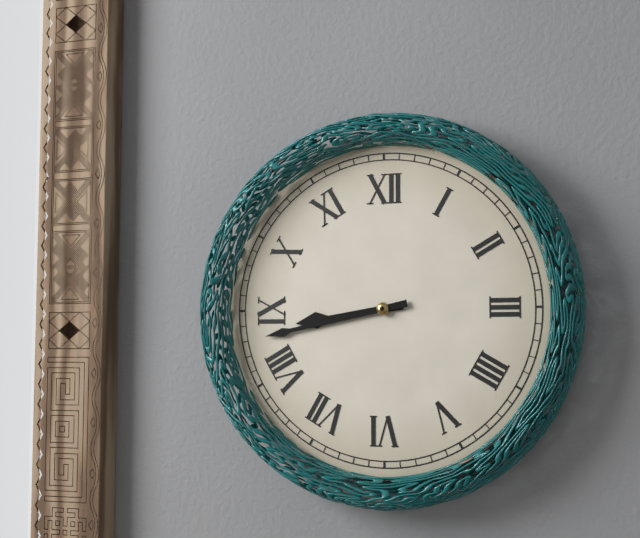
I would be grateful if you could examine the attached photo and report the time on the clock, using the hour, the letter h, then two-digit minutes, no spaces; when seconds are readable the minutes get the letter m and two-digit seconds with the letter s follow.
8h43
